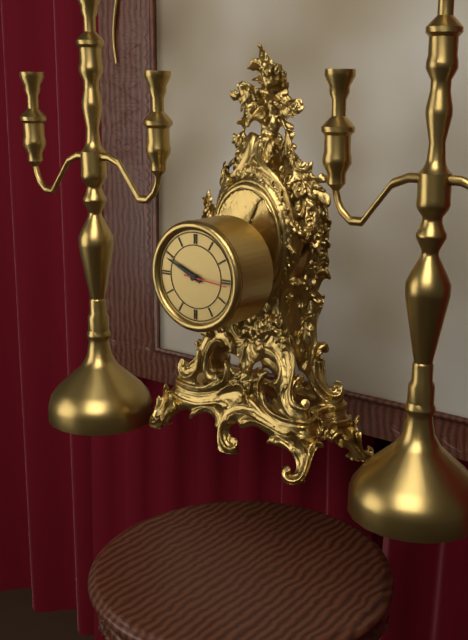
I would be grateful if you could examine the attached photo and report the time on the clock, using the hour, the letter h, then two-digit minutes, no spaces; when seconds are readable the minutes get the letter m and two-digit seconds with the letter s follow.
9h49
